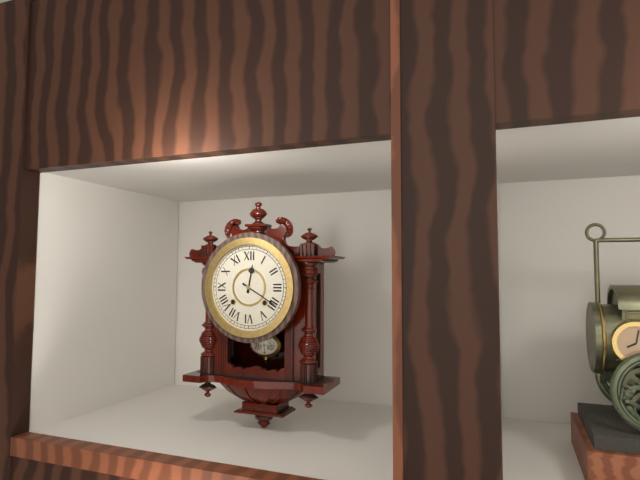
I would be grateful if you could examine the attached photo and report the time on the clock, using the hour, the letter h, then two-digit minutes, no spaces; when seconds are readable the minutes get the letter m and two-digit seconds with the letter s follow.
12h20
